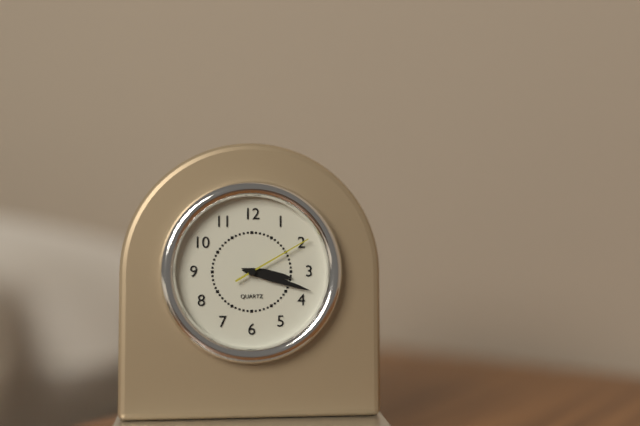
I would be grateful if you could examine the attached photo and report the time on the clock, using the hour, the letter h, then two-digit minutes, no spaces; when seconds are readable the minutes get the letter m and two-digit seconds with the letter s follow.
3h18m10s
